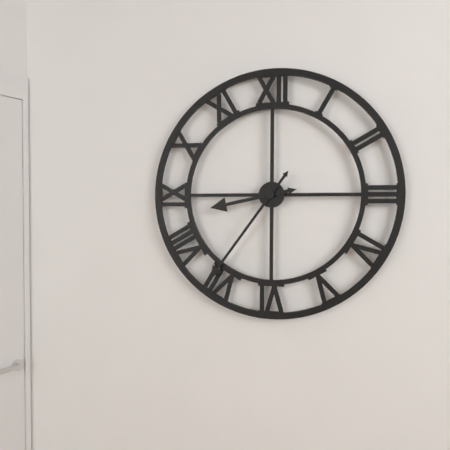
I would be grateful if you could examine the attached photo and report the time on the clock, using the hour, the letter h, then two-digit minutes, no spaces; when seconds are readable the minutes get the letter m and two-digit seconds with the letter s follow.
8h36
